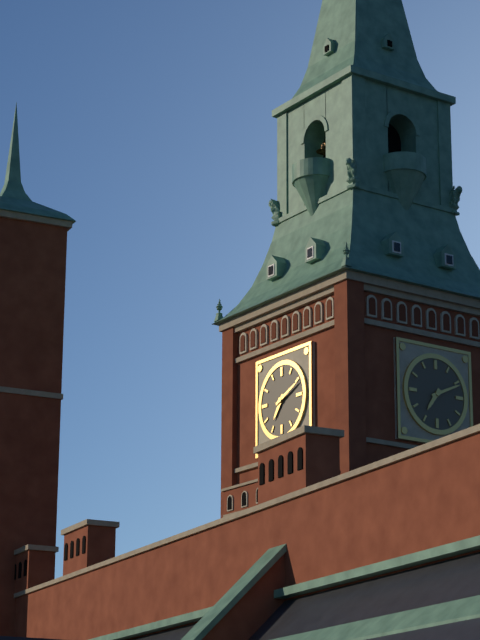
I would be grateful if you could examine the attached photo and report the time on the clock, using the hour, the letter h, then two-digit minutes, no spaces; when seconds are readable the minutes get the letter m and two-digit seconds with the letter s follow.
7h11
